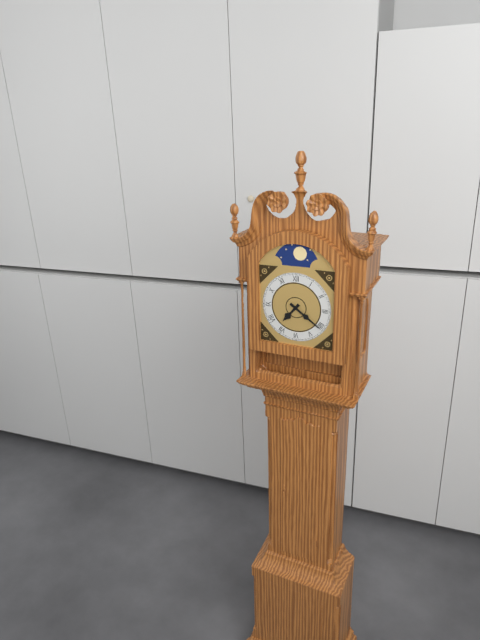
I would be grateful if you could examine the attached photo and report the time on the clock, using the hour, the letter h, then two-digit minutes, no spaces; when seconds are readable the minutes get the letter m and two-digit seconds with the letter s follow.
7h21
